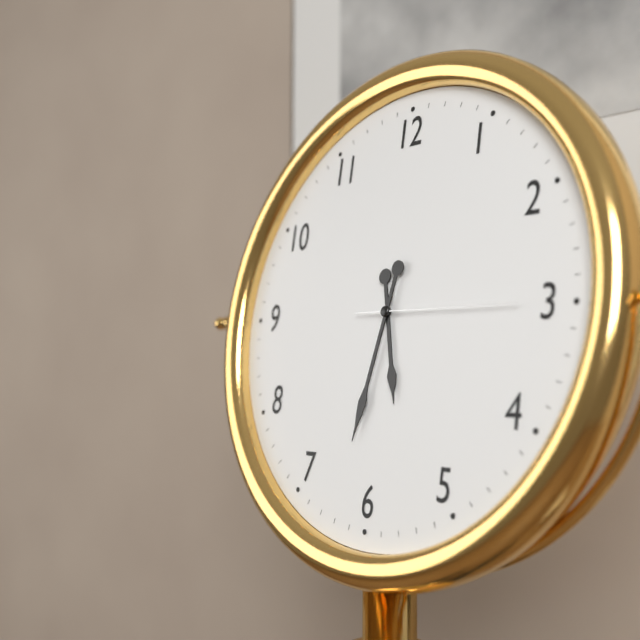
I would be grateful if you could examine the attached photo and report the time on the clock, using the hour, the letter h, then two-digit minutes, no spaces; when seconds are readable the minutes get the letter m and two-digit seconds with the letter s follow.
5h32m15s
